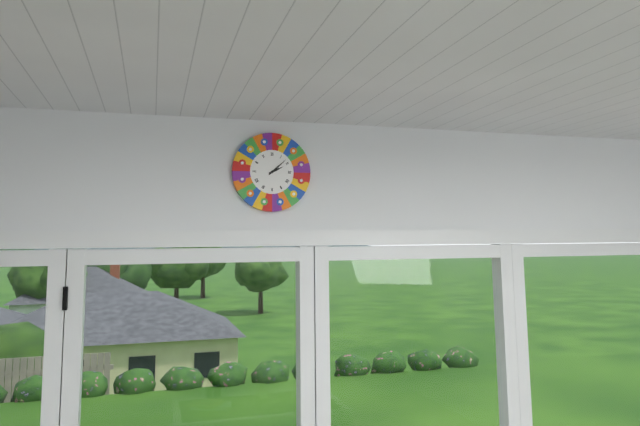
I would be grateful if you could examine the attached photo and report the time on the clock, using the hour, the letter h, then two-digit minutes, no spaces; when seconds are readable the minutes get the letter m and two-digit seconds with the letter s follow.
2h08
